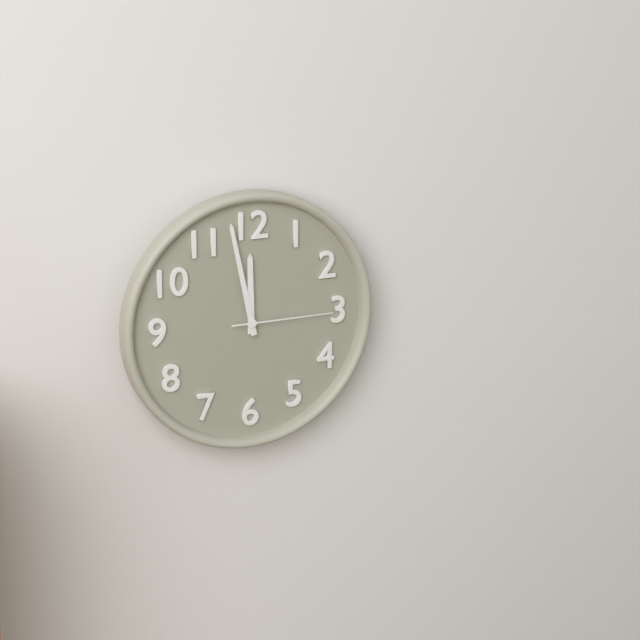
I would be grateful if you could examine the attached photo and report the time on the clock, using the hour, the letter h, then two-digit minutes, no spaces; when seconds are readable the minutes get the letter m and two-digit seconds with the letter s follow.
11h58m15s
